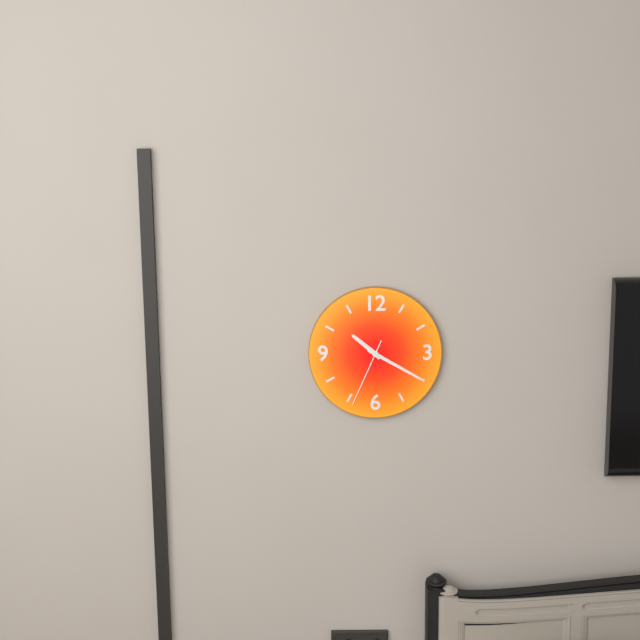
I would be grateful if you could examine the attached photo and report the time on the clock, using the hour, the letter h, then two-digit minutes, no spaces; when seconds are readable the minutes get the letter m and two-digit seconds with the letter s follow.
10h20m34s
